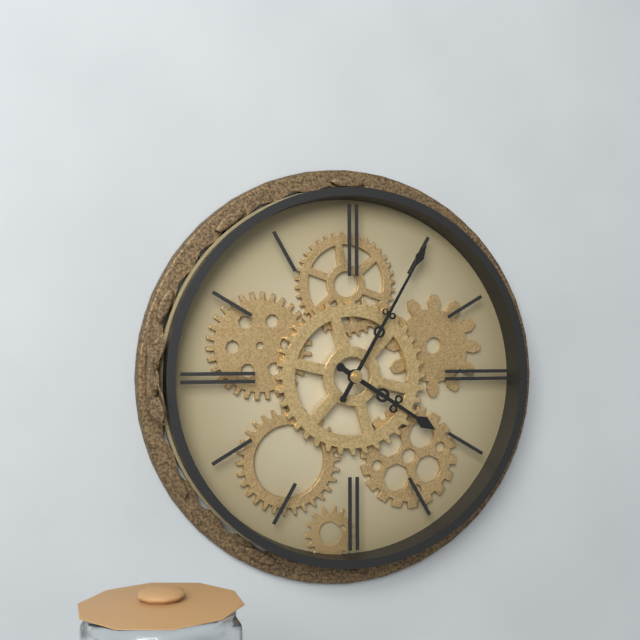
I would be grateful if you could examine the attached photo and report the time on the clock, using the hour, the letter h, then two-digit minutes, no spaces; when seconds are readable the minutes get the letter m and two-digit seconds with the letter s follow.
4h05
